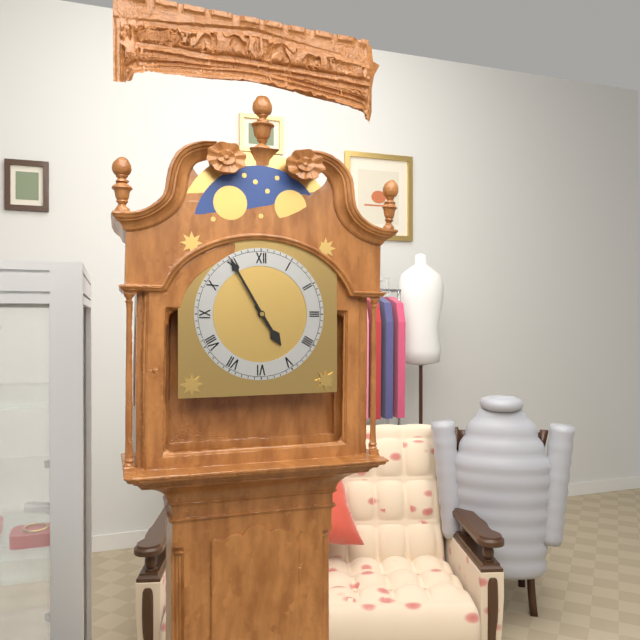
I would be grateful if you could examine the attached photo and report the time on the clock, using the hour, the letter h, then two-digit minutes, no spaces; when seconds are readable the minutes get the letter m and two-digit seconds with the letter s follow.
4h55
